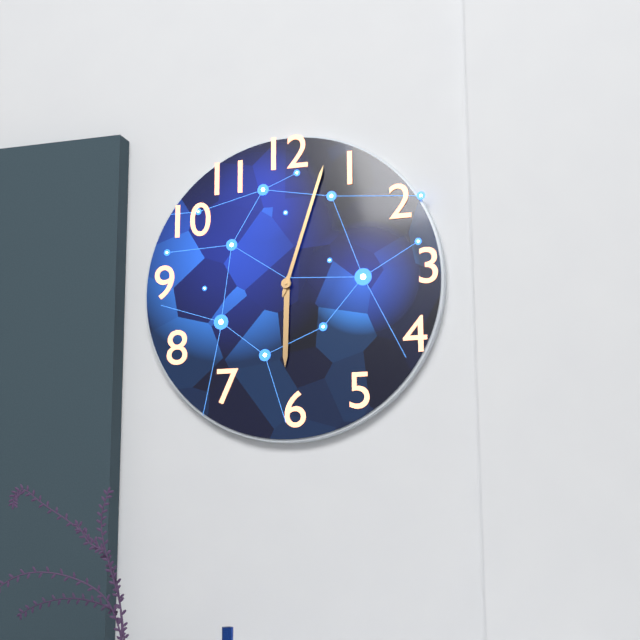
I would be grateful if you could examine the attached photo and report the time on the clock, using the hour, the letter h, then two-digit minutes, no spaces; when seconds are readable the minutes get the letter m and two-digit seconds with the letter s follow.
6h03
